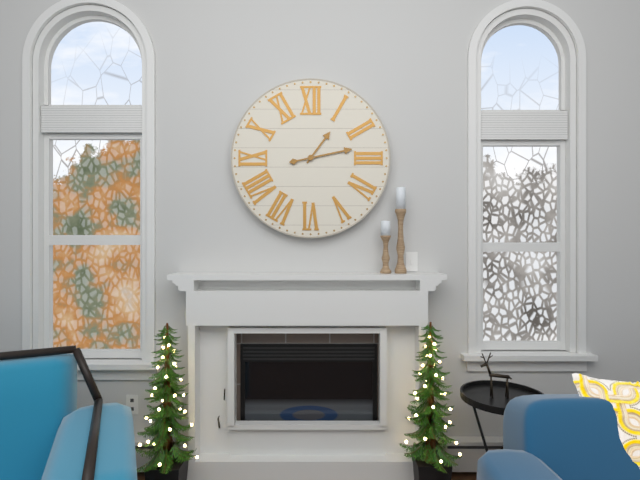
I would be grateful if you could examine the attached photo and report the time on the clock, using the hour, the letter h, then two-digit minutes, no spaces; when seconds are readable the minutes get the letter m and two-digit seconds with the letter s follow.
1h13
